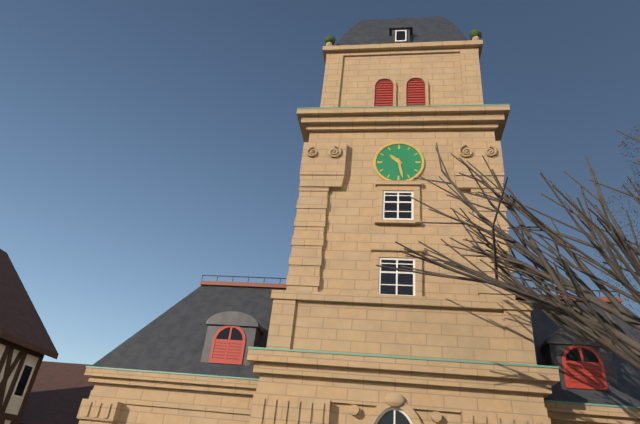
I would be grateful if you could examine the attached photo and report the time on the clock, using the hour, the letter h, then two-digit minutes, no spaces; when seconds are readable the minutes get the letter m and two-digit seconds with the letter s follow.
10h28
